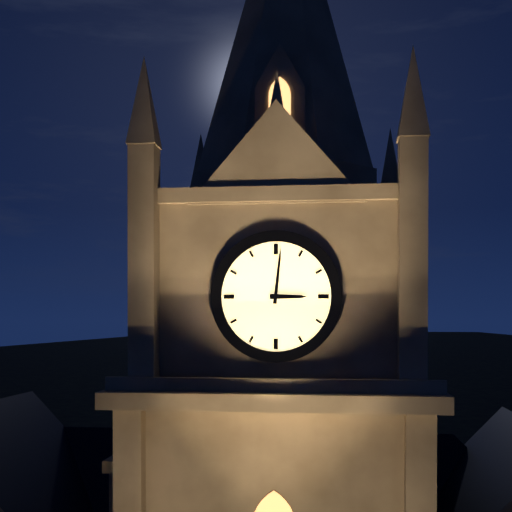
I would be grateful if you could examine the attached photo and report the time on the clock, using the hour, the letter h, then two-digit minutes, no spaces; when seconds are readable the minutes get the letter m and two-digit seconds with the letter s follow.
3h01
